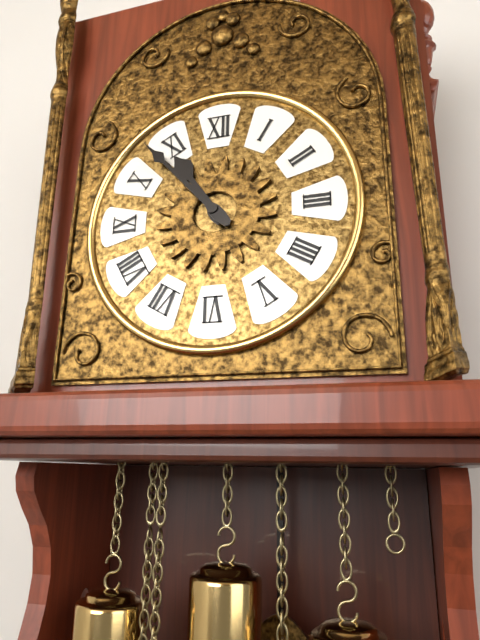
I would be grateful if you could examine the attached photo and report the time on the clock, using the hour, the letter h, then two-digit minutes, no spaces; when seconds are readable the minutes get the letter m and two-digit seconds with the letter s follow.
10h53
